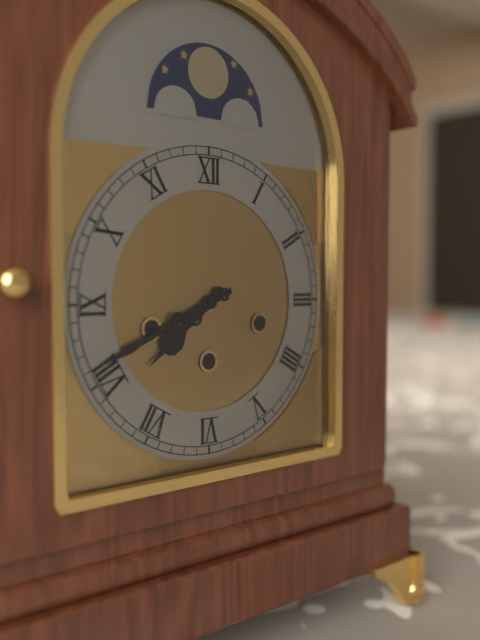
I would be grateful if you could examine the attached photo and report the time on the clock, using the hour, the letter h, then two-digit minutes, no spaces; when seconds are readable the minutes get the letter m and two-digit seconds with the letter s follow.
7h41
